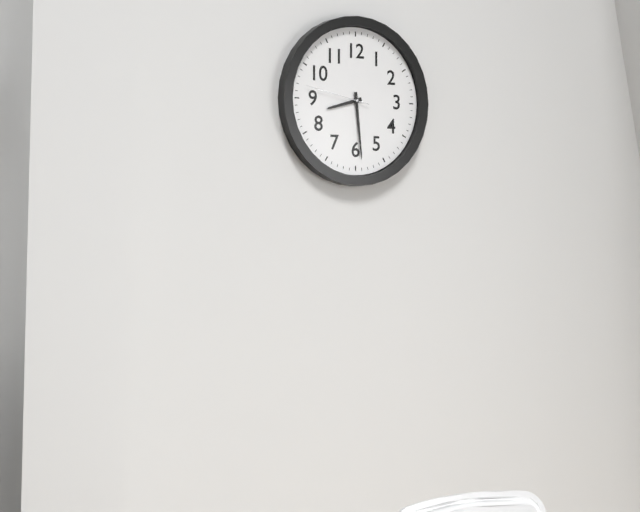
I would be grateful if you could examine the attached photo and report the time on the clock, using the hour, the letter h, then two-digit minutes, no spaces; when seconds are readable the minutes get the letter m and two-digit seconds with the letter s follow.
8h29m47s
